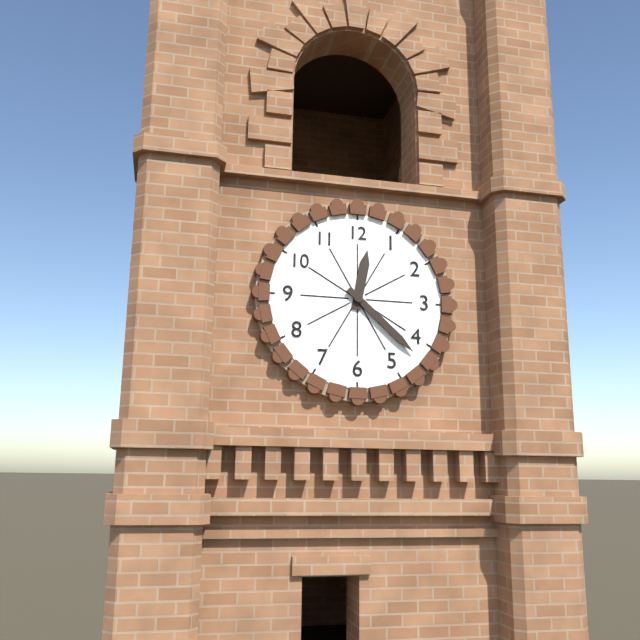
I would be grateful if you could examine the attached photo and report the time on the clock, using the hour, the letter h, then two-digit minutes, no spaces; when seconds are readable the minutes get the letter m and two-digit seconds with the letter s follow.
12h22
